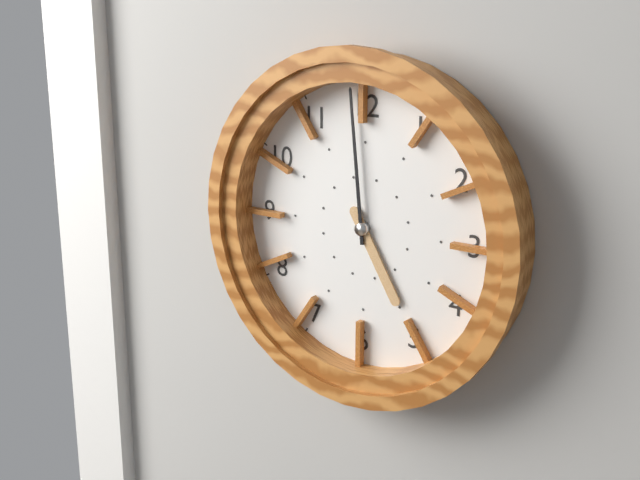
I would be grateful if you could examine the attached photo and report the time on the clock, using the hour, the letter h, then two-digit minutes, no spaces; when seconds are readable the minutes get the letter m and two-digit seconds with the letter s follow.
4h59
